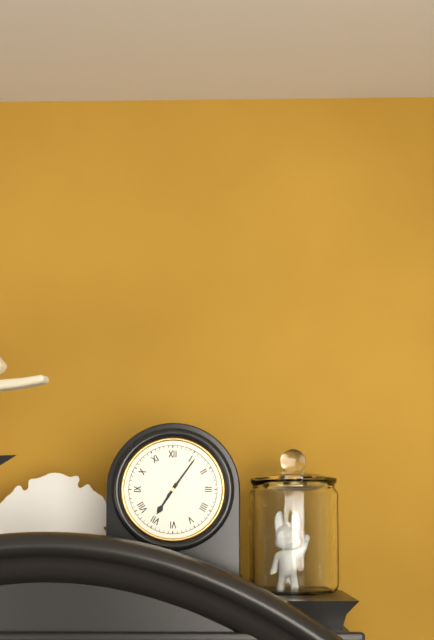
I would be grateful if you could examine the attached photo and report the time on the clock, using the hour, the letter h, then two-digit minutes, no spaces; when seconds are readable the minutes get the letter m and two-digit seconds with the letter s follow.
7h06
